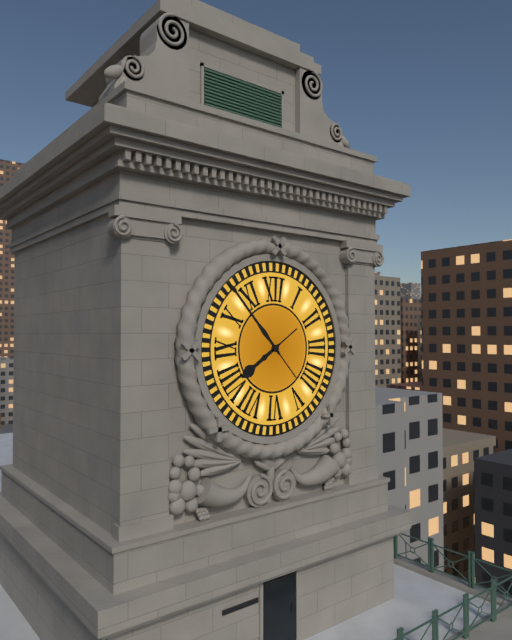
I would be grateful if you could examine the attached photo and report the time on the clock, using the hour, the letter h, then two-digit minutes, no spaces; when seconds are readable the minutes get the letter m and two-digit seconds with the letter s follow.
7h53
